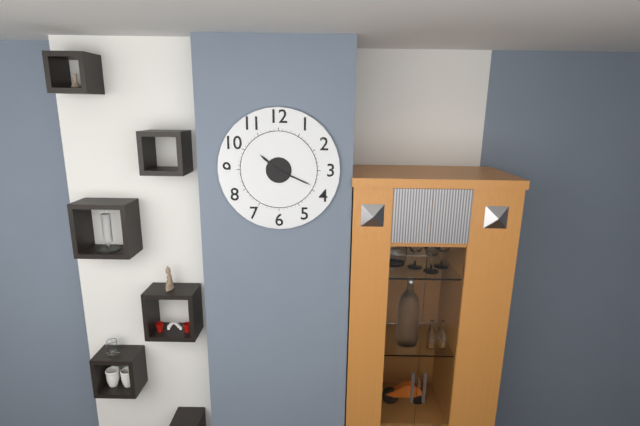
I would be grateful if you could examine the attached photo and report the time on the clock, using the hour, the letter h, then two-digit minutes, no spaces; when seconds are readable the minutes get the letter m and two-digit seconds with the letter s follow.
10h19
